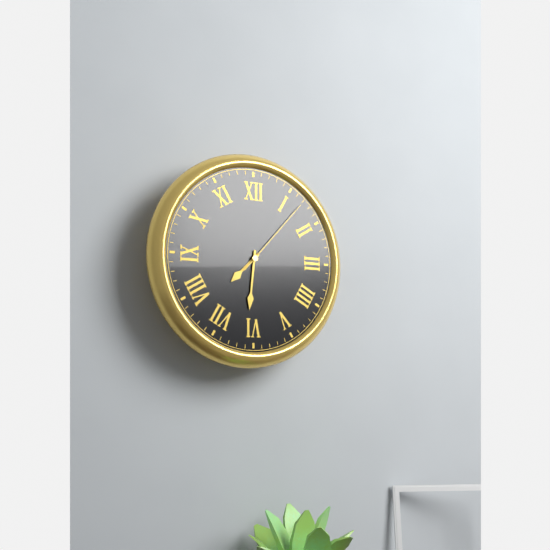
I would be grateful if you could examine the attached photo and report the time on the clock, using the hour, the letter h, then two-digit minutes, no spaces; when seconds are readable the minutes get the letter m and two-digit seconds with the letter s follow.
7h31m07s
